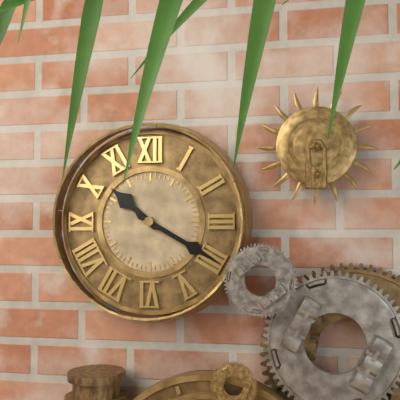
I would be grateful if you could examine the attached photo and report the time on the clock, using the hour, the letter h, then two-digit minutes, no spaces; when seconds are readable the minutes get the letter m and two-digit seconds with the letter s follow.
10h20
